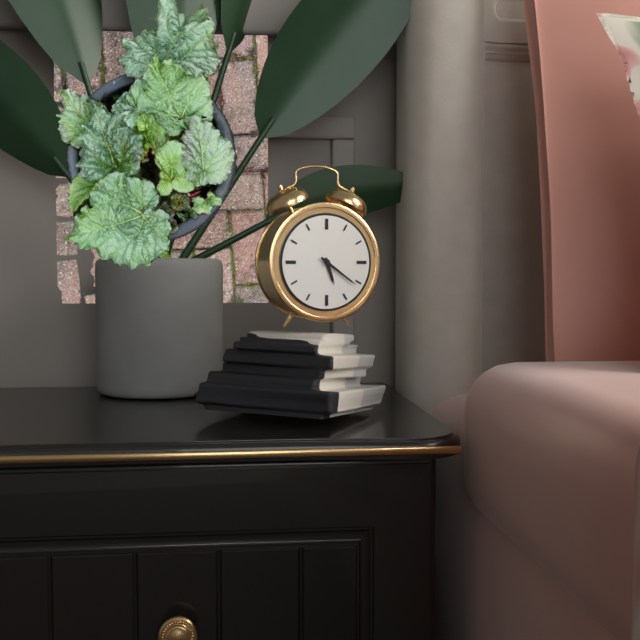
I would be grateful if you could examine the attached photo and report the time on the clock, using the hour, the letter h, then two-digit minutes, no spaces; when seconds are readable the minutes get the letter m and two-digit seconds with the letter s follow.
5h21
